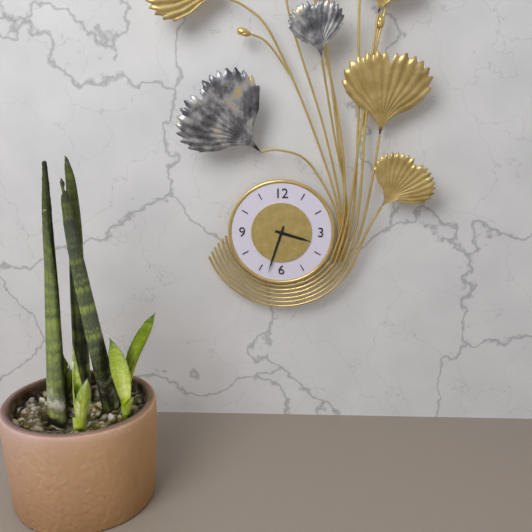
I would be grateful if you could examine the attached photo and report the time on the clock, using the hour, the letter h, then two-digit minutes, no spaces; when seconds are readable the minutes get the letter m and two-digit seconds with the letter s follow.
3h33
